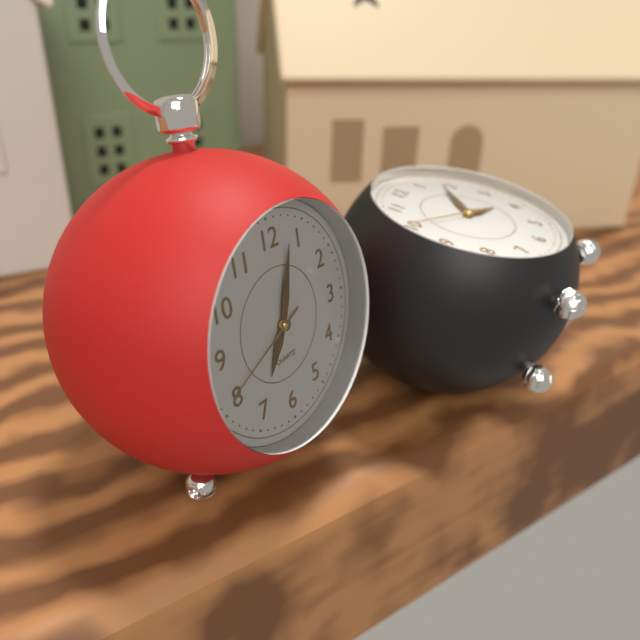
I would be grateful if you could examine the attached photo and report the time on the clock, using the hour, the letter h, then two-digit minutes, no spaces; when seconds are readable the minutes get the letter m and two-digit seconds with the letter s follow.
7h03m41s
